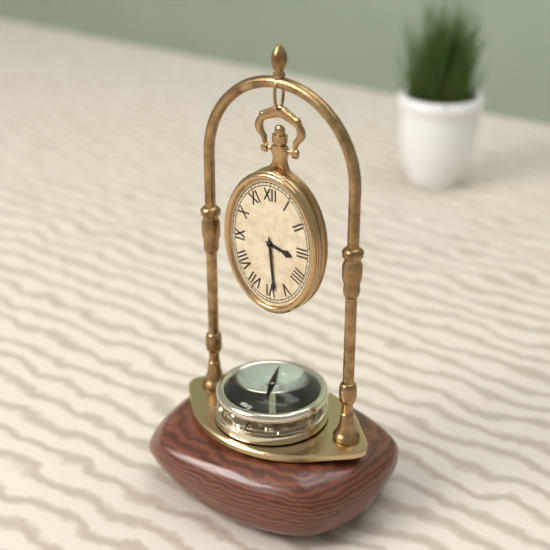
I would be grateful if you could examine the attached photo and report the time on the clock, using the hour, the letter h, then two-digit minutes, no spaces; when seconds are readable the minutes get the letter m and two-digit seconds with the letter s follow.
3h29
